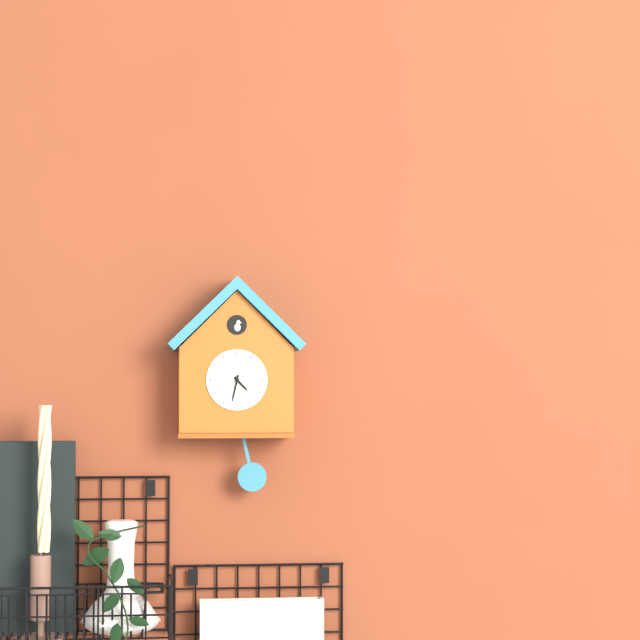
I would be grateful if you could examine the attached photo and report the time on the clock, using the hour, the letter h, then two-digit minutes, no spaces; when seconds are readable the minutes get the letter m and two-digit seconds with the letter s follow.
4h32
